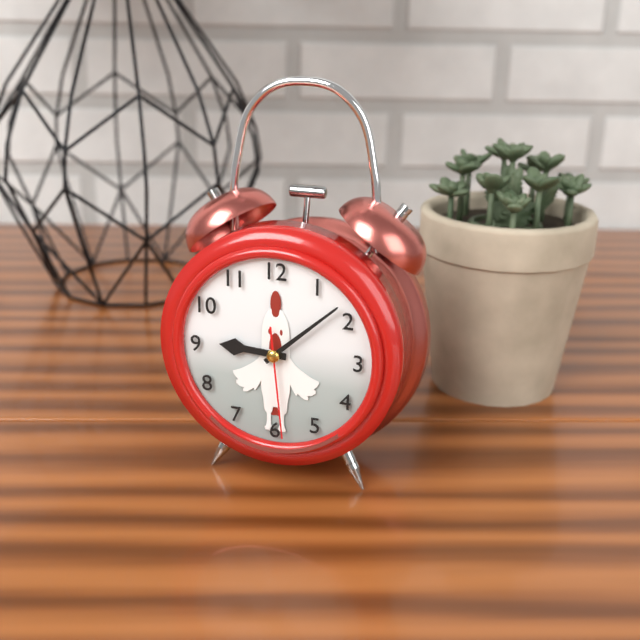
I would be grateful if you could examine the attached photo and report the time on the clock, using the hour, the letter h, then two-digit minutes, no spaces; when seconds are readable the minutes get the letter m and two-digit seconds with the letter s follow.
9h08m29s
